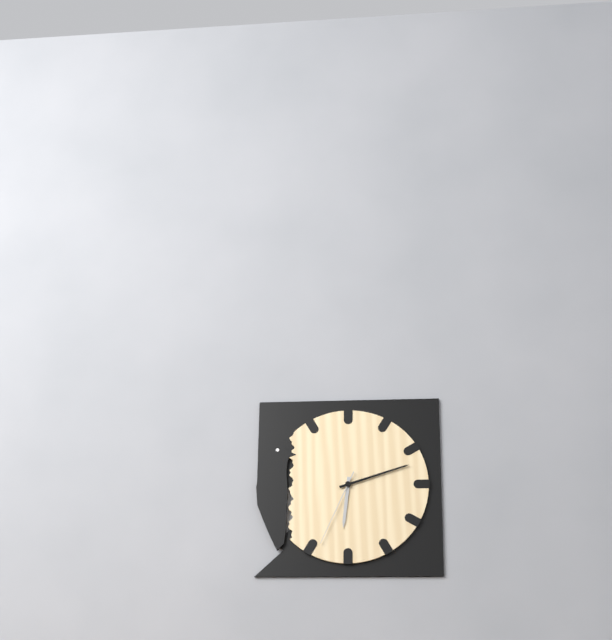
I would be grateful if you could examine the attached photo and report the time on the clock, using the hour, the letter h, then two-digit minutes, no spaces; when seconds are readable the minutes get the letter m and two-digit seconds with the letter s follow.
6h12m34s
